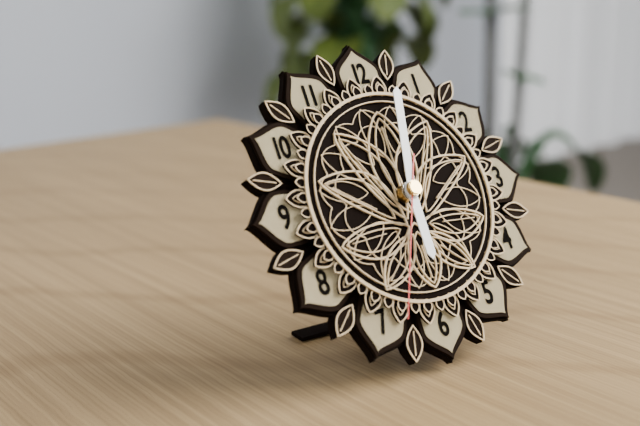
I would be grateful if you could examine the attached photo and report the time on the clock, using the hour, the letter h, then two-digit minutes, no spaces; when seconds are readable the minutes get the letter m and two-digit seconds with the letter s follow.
6h02m34s
